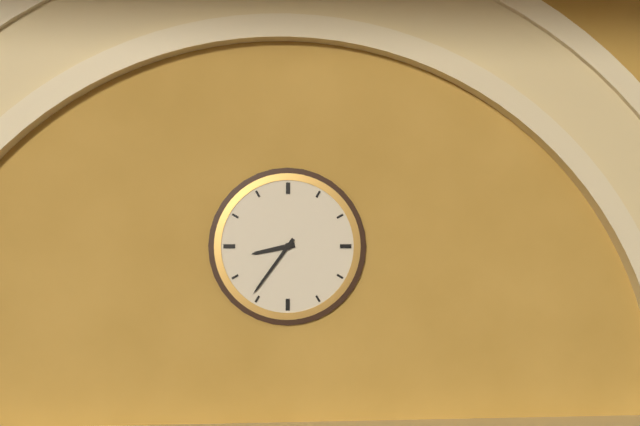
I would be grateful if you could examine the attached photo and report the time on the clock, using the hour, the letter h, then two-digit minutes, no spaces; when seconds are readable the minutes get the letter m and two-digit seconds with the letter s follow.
8h36
